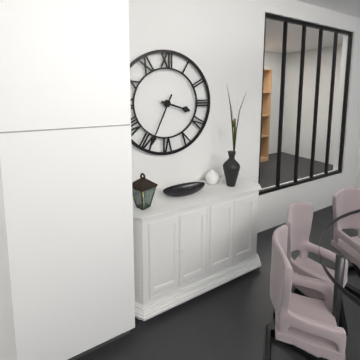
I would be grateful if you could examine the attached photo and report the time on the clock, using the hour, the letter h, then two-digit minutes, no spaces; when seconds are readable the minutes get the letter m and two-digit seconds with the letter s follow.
3h34
